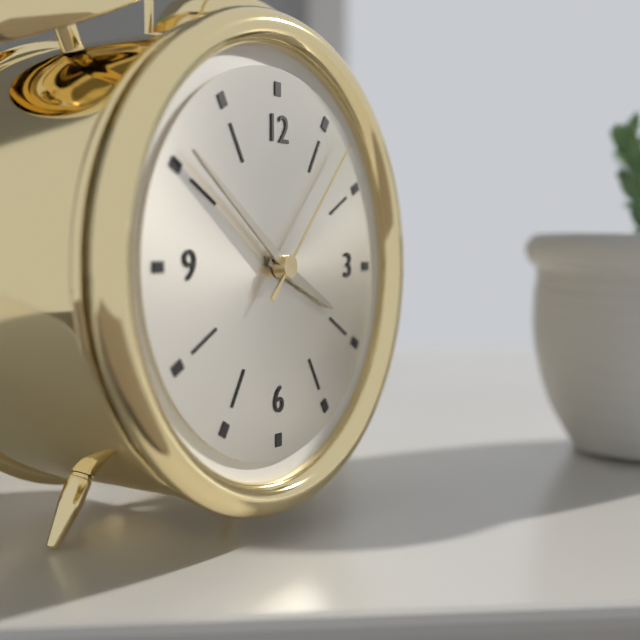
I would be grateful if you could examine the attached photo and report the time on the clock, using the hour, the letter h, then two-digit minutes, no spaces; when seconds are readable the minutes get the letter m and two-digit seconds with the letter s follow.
3h51m07s
